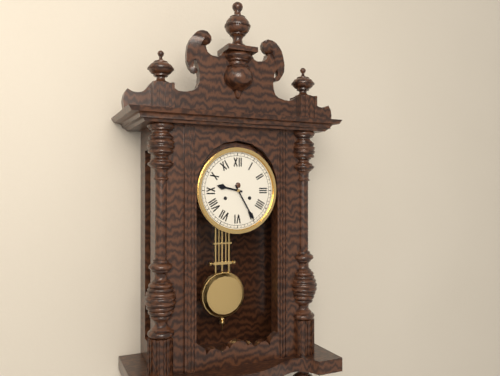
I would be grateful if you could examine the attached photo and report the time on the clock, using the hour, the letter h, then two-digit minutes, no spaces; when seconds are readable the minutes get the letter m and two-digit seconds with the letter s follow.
9h25
